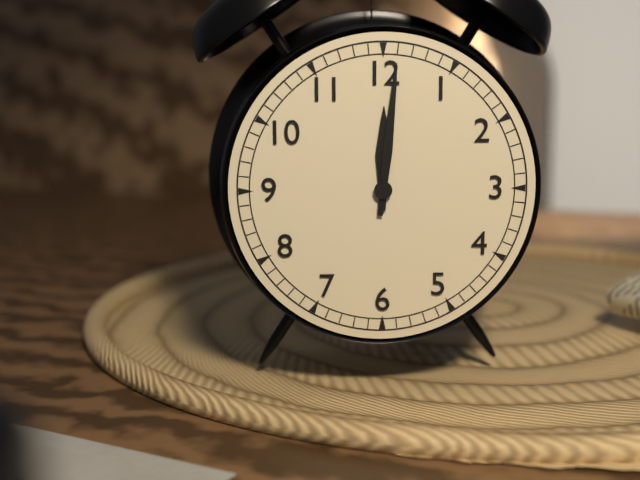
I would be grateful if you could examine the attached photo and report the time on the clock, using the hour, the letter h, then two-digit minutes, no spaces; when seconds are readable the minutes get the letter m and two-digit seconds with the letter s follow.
12h01
